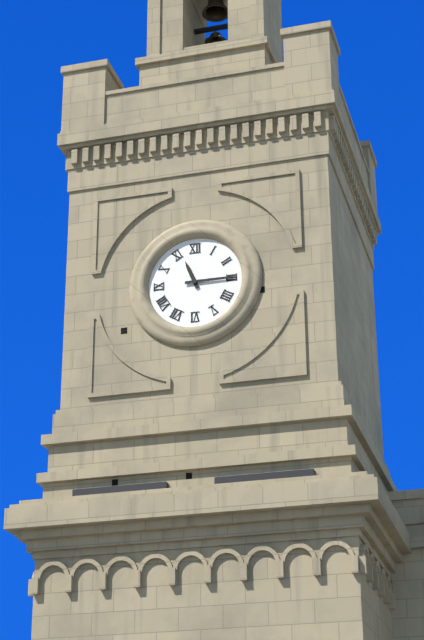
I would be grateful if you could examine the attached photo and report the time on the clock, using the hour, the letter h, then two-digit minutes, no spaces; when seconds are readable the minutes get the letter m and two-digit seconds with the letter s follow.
11h15
